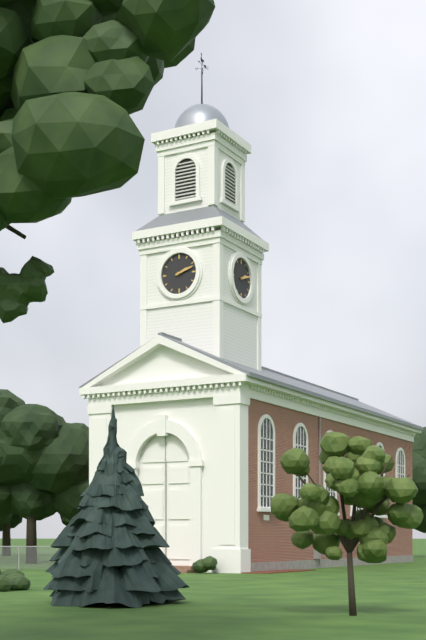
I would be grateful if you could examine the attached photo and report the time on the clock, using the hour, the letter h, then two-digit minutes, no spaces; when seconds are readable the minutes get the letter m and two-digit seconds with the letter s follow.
2h12
